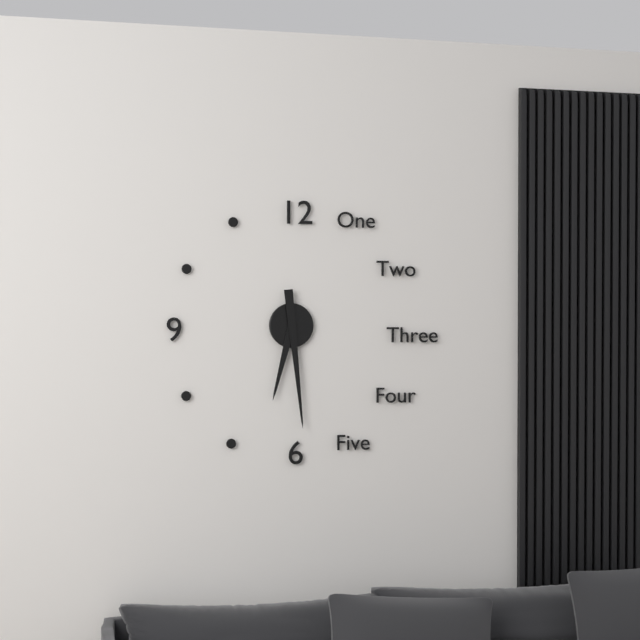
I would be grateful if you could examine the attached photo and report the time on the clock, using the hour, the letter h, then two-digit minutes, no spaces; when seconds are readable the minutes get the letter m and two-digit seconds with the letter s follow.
6h29
